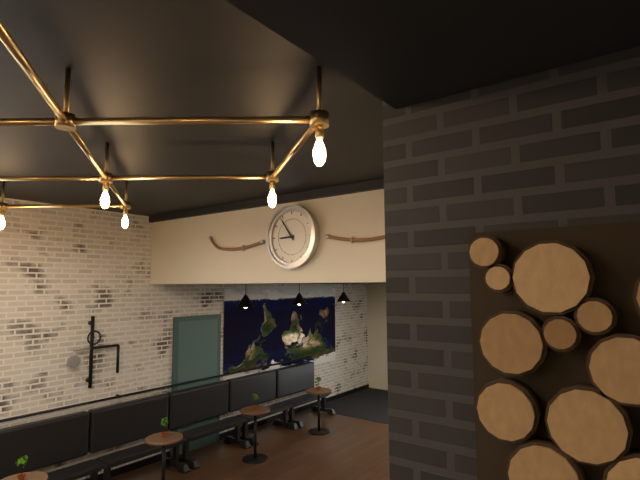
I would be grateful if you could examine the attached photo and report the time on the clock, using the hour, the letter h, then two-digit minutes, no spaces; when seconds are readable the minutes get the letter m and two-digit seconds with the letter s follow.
8h54
